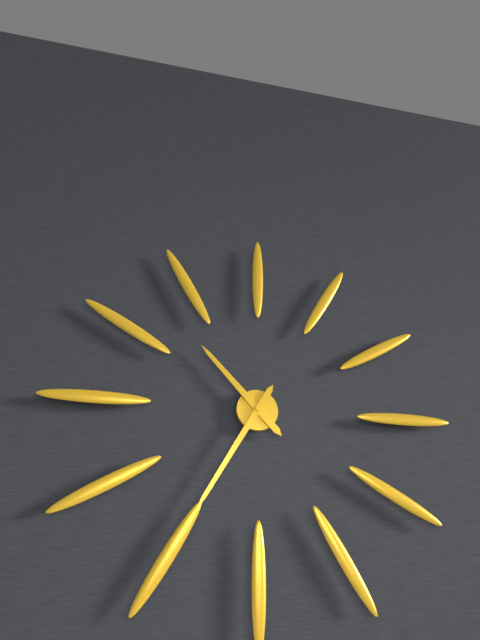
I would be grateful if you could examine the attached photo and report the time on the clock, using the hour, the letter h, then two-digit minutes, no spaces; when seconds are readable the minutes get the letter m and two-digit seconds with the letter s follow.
10h35
